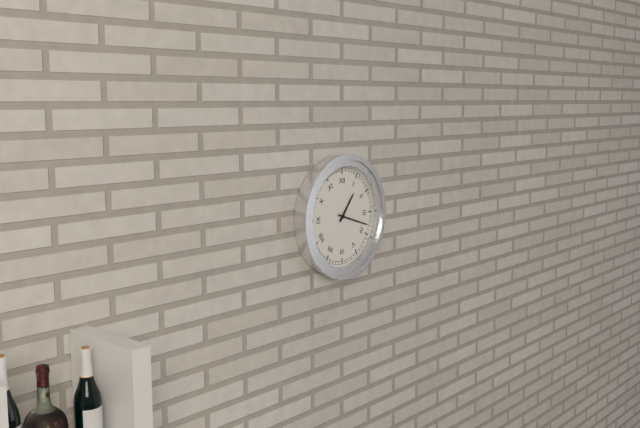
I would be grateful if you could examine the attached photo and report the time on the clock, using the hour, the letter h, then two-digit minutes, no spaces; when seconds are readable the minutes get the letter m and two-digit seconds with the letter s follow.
1h18
